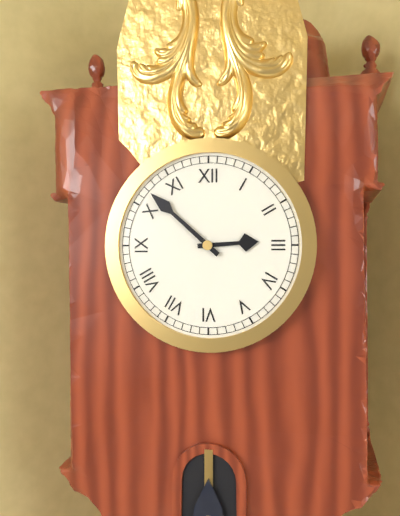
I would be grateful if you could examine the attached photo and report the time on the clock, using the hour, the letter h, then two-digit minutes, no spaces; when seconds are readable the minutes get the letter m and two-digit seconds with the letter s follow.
2h52
